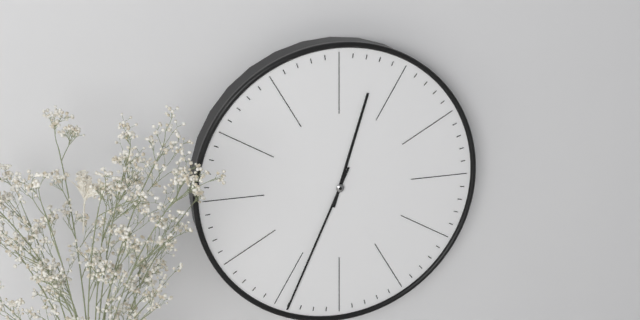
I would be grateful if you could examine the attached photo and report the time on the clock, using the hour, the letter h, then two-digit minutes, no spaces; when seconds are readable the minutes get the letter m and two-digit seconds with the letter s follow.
12h34
